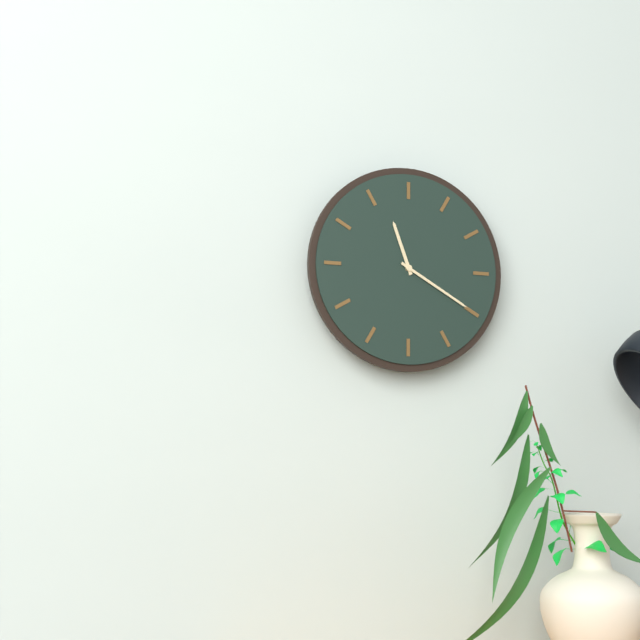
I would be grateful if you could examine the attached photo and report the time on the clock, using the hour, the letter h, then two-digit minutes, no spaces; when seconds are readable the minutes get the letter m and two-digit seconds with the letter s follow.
11h20
